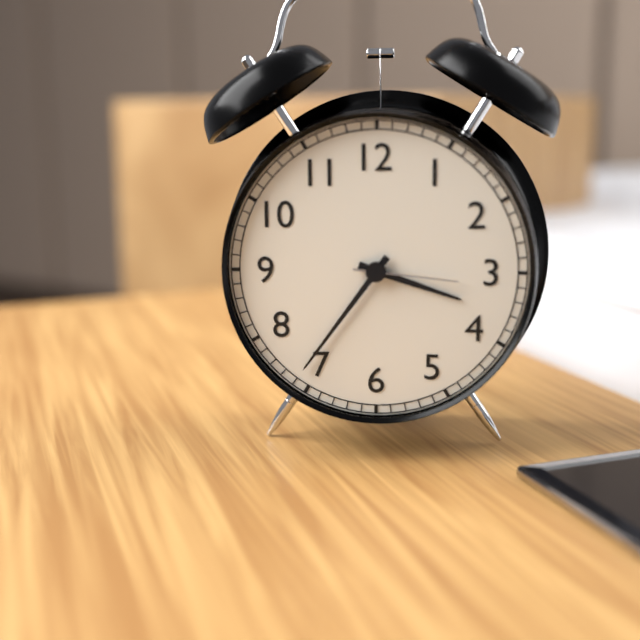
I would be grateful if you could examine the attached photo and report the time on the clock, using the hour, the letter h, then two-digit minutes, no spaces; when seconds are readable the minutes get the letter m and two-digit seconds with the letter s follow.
3h36m16s
